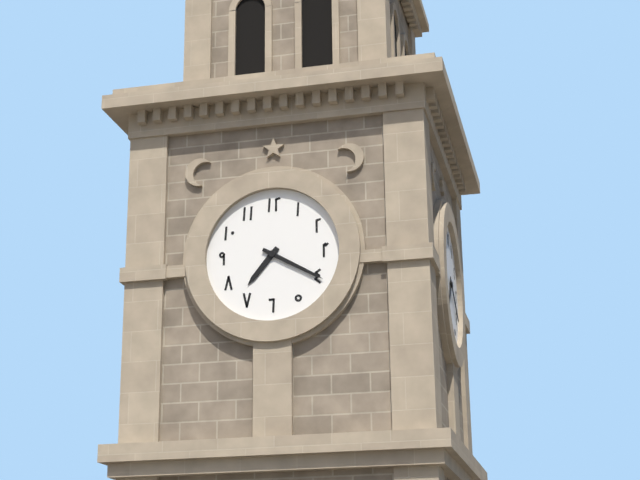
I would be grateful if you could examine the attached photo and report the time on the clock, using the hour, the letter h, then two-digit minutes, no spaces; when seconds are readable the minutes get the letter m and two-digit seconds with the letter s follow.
7h20
